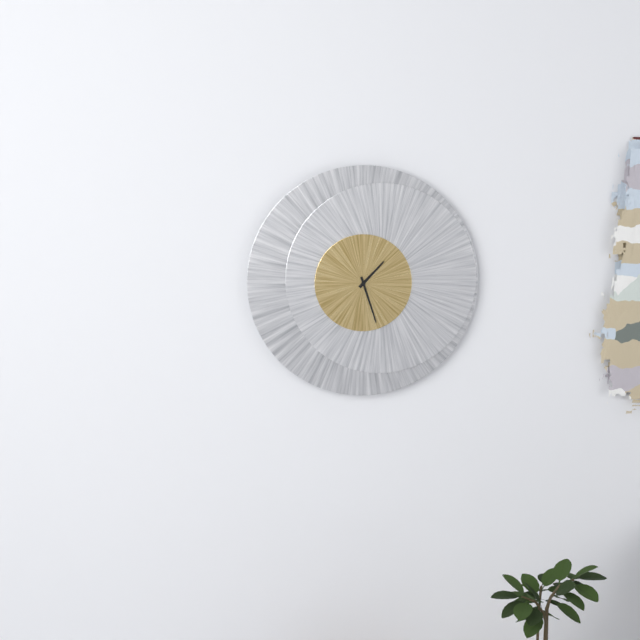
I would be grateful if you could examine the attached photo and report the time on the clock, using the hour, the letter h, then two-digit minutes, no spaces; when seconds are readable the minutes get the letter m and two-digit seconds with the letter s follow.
1h27
